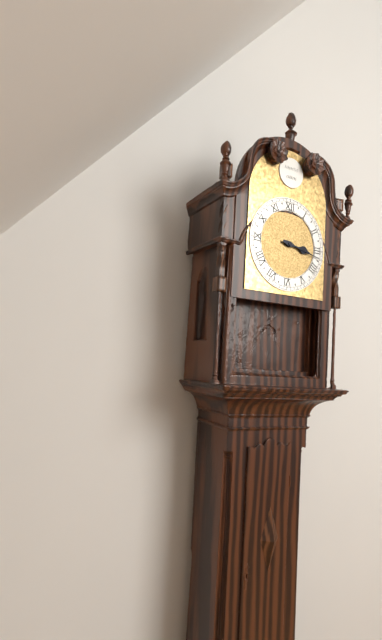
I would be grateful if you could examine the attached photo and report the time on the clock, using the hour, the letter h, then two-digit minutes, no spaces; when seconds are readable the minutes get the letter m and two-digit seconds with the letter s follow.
3h17
